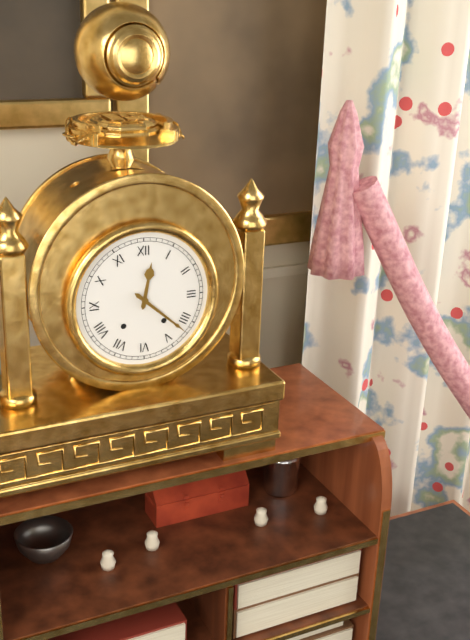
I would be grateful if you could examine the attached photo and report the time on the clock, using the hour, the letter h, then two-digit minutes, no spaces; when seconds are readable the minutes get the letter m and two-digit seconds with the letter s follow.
12h22
